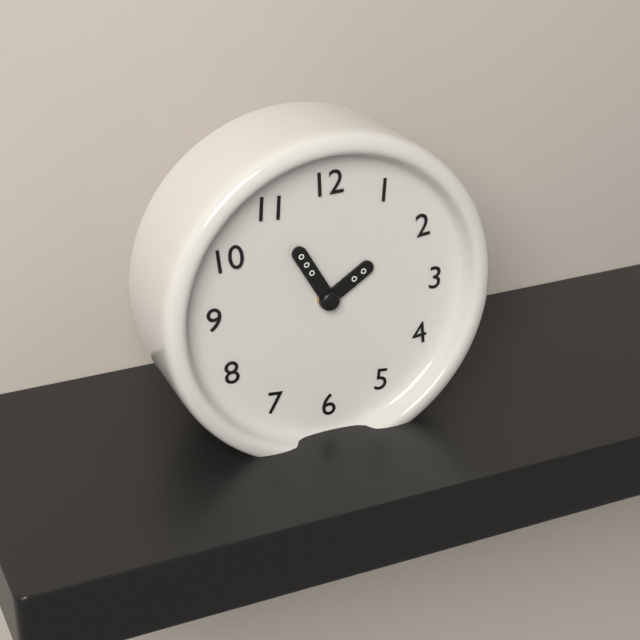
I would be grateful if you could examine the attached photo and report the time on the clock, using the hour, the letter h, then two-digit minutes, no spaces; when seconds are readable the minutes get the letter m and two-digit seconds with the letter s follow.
1h55
